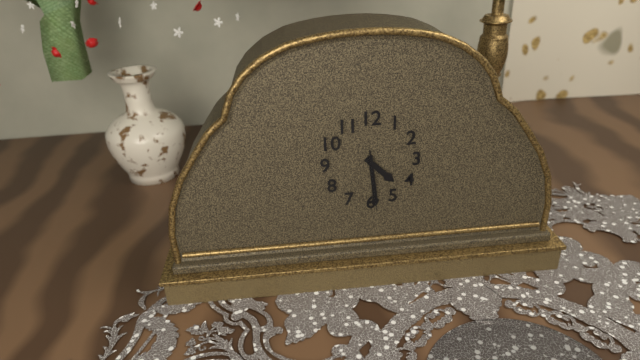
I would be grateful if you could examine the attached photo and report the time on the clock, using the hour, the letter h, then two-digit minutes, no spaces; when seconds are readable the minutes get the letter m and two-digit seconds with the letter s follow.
4h29m29s
